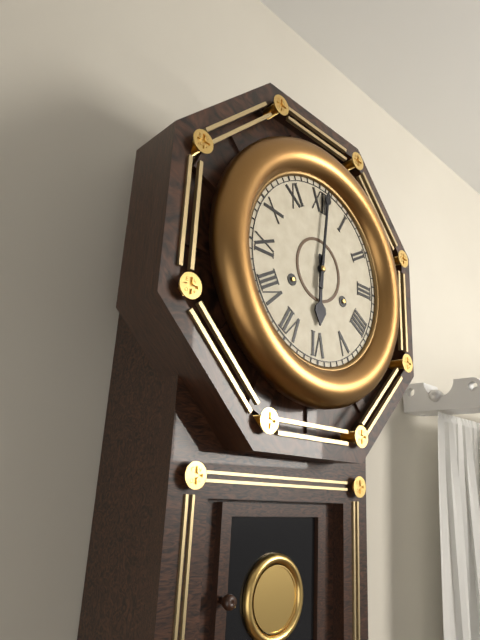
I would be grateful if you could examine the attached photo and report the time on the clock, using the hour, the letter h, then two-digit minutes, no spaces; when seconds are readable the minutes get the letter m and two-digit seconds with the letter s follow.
6h01
